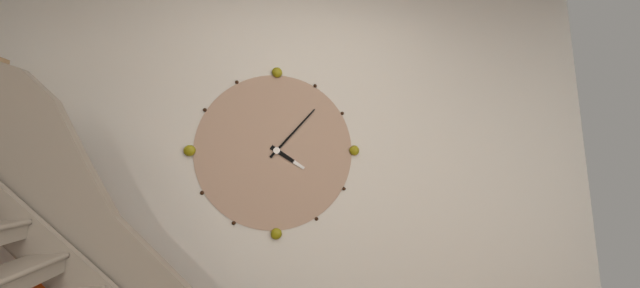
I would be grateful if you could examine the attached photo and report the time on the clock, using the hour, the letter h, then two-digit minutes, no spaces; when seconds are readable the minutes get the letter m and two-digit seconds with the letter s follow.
4h07
